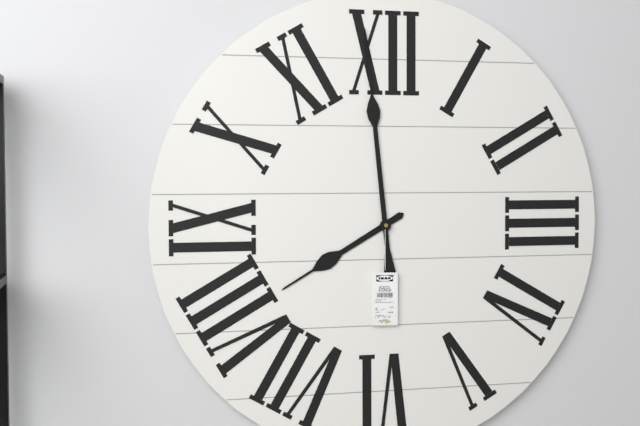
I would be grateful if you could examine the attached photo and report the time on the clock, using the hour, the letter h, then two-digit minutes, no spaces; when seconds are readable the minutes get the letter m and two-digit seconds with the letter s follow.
7h59
